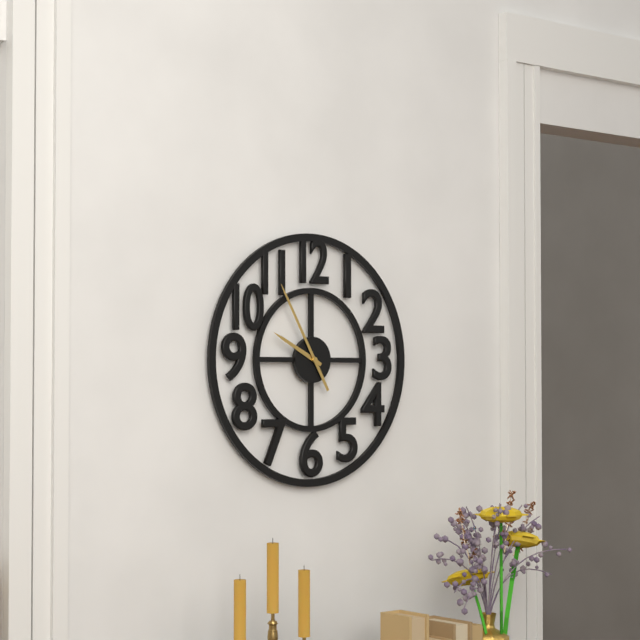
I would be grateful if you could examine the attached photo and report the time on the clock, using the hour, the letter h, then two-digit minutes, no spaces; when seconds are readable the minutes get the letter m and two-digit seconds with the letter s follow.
9h55
